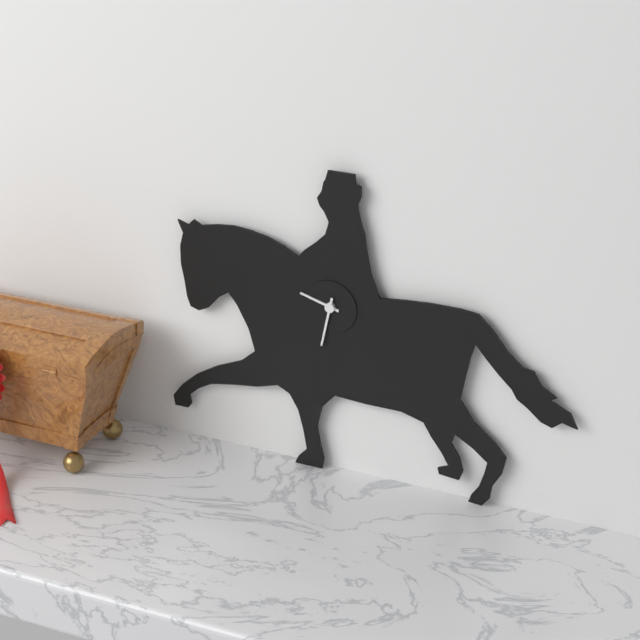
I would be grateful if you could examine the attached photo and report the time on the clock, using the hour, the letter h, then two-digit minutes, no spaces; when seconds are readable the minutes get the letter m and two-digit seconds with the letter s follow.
9h32
